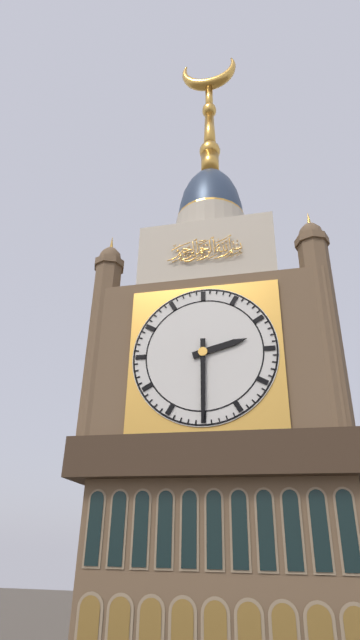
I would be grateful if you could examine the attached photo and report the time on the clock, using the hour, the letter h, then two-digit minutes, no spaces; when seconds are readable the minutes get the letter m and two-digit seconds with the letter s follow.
2h30
